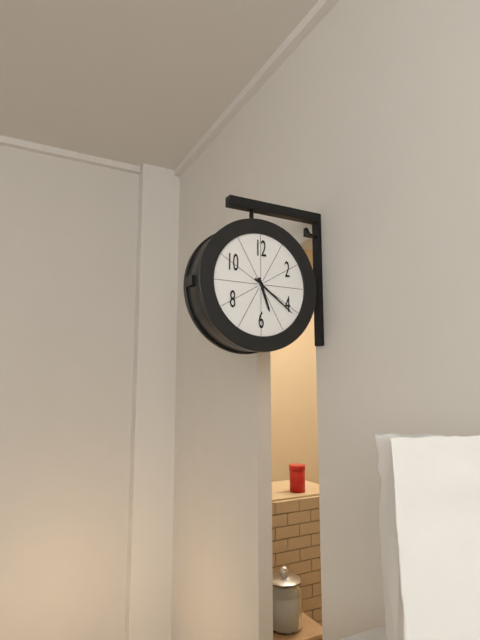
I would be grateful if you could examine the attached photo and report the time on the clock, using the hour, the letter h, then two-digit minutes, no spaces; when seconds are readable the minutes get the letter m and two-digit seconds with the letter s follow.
5h21
